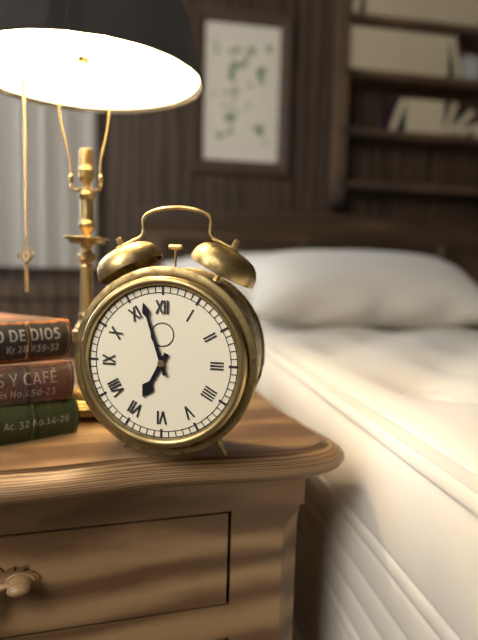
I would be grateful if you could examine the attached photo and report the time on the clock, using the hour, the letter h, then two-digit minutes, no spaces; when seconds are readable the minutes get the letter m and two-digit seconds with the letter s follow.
6h57
